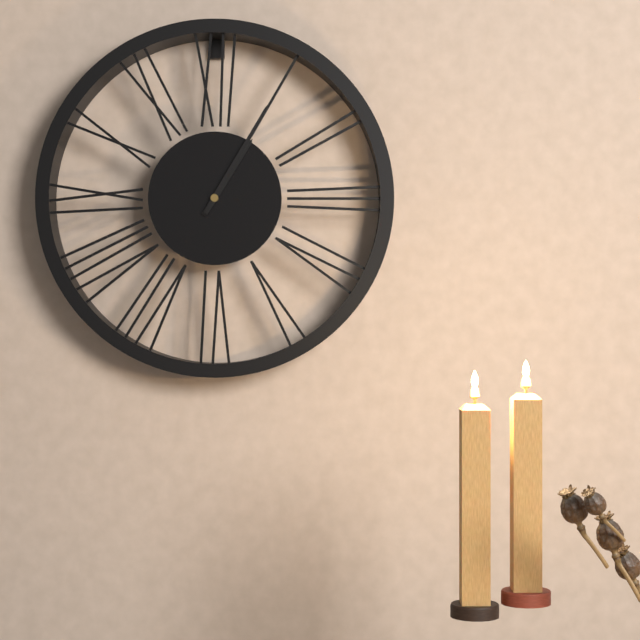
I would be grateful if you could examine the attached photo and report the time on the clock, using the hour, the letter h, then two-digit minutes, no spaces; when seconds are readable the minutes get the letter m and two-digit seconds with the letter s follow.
1h05
